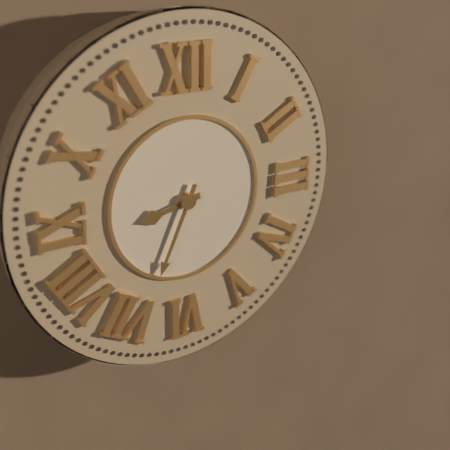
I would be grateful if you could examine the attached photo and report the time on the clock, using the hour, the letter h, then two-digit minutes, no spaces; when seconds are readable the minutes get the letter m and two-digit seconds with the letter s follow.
8h34
